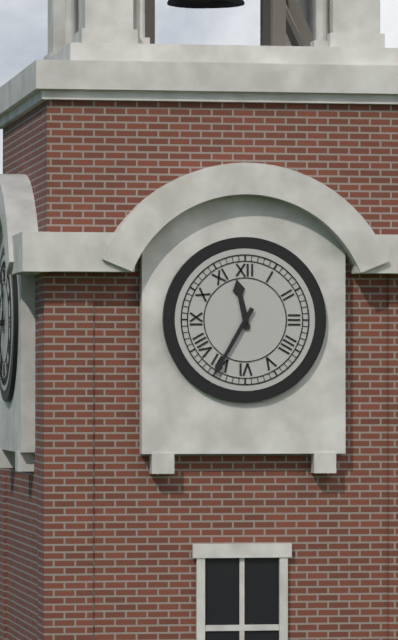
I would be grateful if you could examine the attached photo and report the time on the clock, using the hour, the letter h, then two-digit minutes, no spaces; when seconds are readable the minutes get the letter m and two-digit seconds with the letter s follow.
11h35
